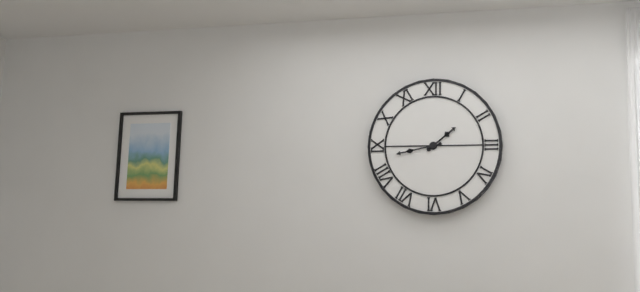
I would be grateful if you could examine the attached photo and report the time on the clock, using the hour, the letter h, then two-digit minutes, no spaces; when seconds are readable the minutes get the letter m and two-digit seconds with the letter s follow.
1h43
